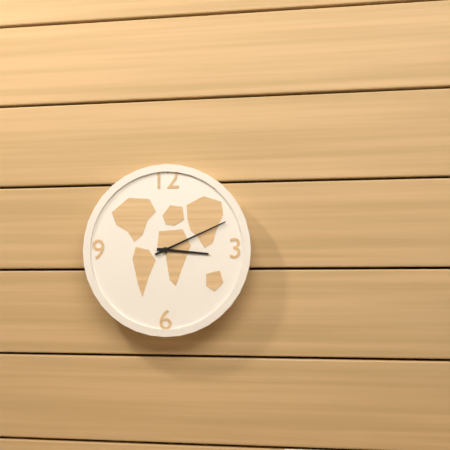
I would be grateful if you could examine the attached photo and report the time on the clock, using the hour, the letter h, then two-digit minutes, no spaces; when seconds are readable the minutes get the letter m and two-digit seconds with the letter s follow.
3h11
